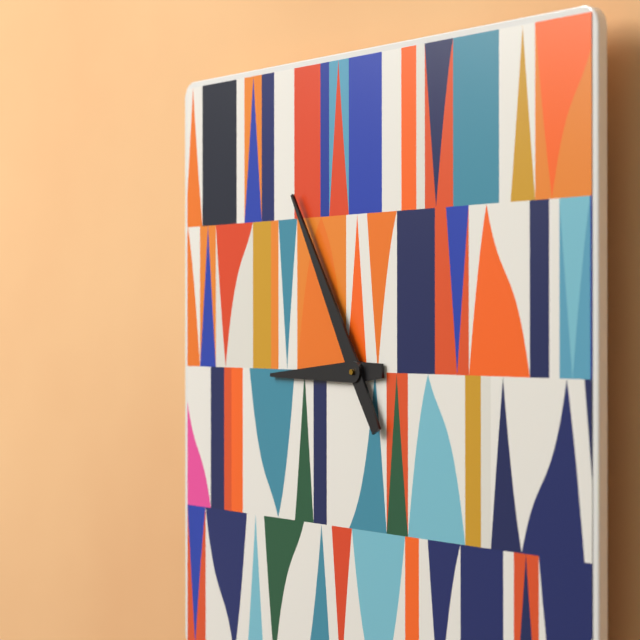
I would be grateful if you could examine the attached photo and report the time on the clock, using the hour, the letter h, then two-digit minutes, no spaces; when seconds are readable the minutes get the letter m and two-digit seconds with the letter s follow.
8h55
